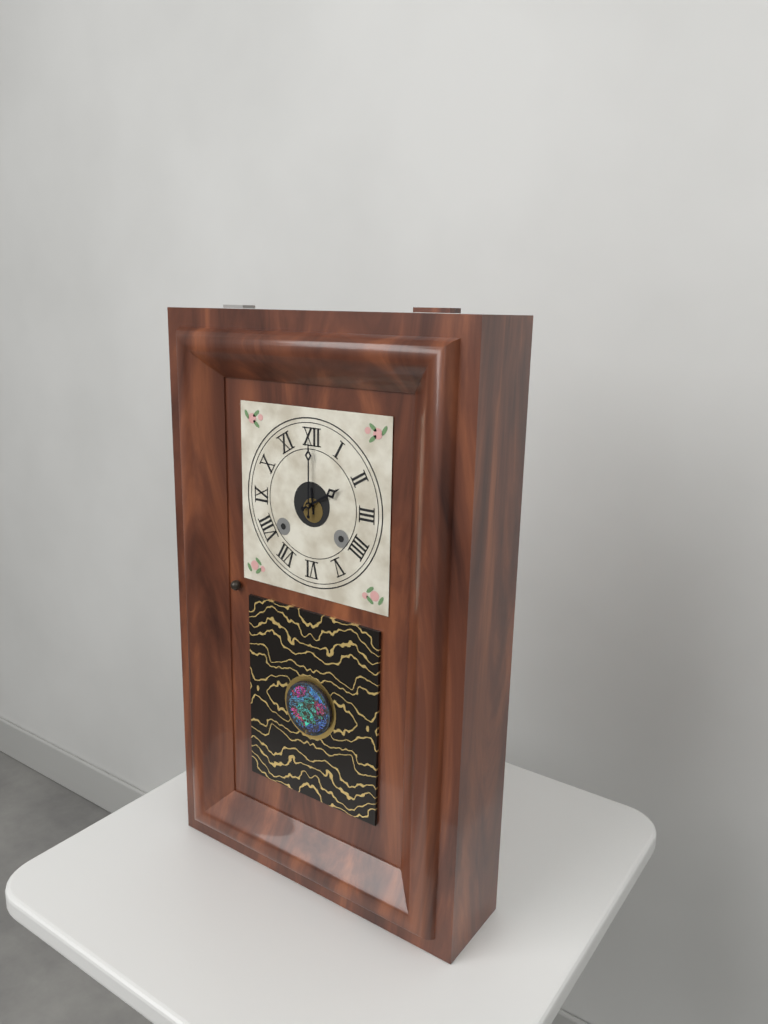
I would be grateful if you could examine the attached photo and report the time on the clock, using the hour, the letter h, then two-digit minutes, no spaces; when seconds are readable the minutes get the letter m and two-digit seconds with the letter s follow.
2h00
